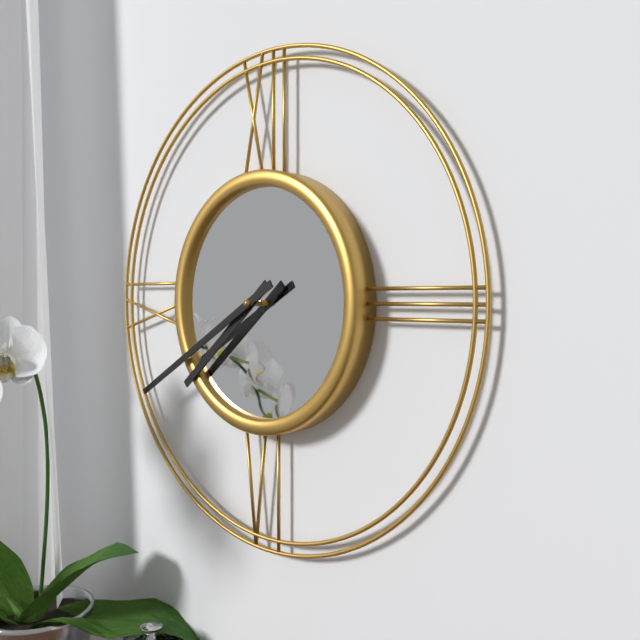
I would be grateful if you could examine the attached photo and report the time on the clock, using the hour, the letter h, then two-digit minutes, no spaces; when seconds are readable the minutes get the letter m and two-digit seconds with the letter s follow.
7h40
